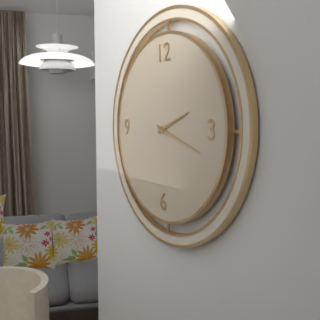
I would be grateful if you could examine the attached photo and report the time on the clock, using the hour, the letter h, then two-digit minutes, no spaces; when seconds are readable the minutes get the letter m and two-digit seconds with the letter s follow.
2h18
